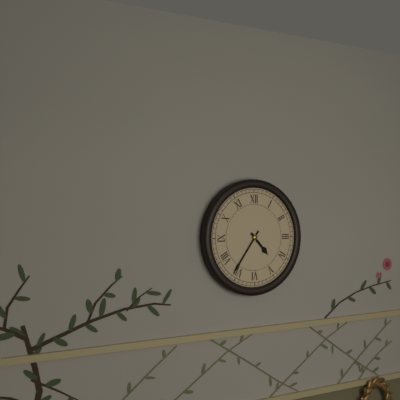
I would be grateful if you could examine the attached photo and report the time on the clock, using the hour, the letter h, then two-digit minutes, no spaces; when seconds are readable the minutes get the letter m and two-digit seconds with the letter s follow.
4h36
